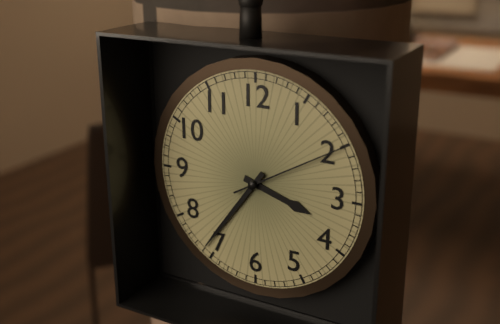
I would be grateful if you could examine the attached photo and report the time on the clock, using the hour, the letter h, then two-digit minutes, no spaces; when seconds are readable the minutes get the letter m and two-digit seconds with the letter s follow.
3h36m10s
